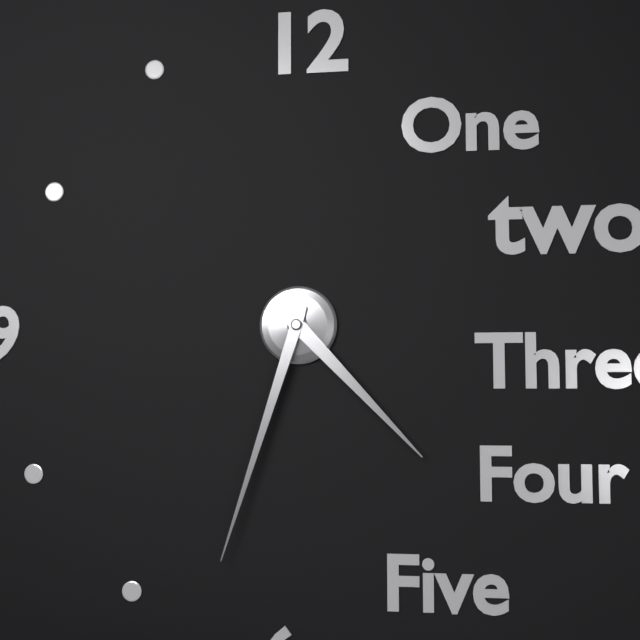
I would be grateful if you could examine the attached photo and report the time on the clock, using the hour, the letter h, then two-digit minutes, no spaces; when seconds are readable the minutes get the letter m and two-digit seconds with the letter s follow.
4h33
